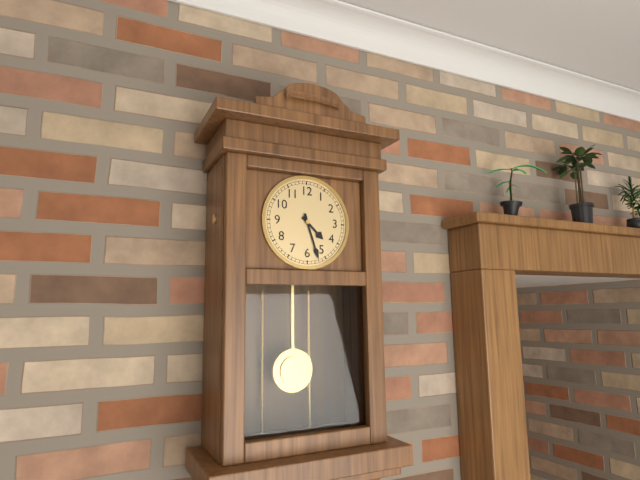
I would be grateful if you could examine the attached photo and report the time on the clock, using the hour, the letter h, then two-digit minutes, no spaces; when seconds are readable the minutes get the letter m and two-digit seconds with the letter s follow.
4h27
